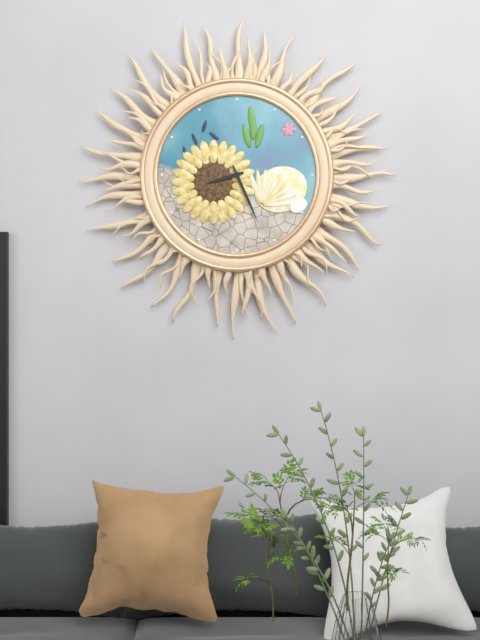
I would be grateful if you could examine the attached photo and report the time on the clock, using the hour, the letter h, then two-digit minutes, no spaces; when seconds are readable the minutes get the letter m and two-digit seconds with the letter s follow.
8h26
